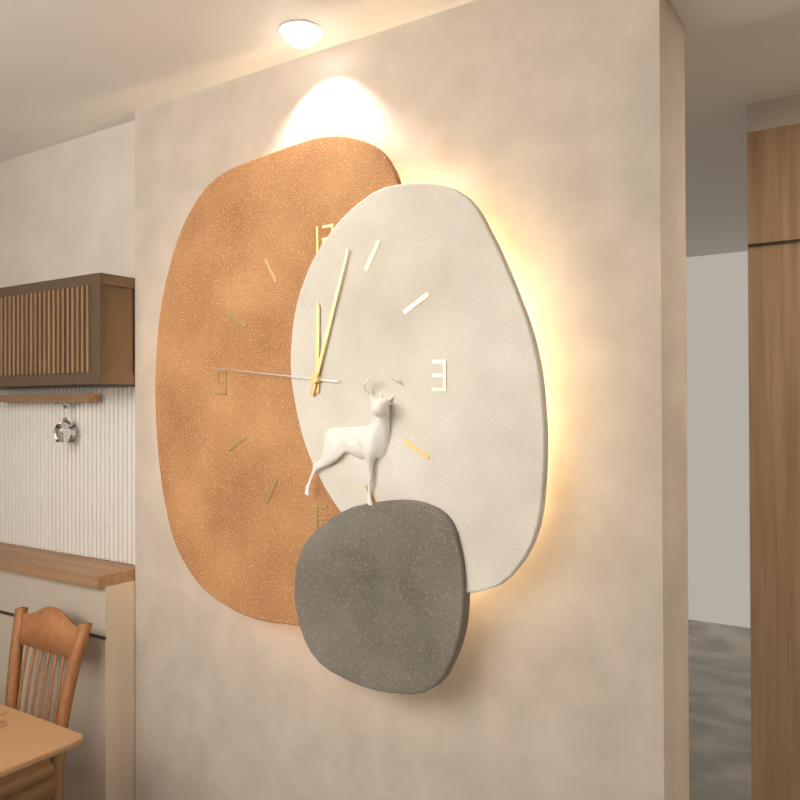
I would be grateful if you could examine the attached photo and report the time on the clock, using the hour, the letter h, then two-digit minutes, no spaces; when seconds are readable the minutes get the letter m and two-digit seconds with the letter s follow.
12h03m46s
